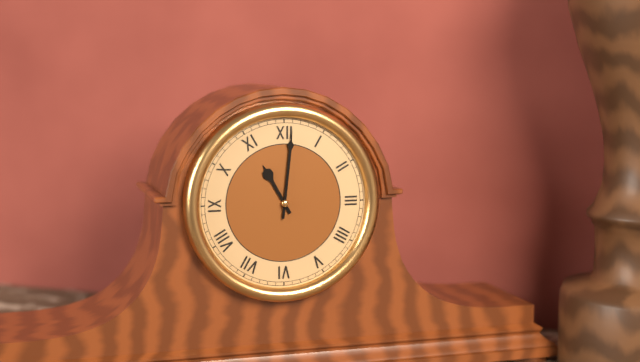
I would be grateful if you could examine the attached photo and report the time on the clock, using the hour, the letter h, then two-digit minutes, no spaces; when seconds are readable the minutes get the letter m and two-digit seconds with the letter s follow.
11h01
